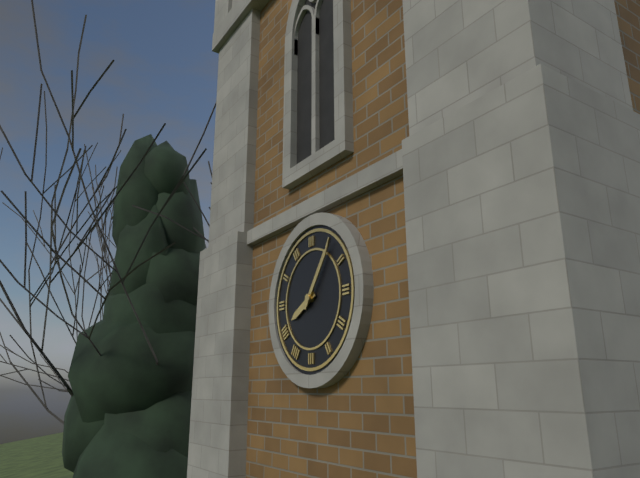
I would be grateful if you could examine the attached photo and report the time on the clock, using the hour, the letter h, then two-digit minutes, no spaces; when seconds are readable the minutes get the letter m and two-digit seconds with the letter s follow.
8h06
